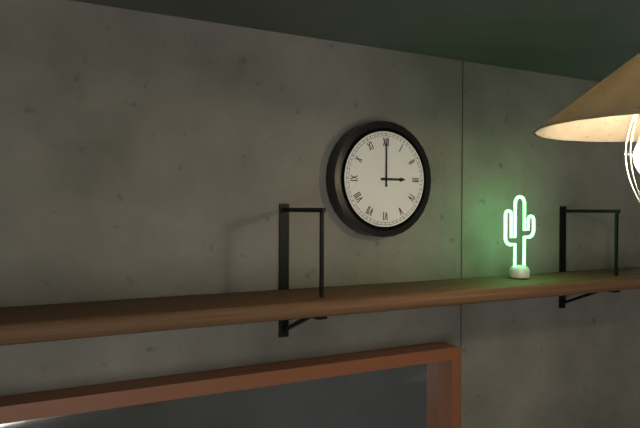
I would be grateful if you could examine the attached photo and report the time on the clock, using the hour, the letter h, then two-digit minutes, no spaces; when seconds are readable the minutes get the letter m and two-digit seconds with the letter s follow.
3h00
